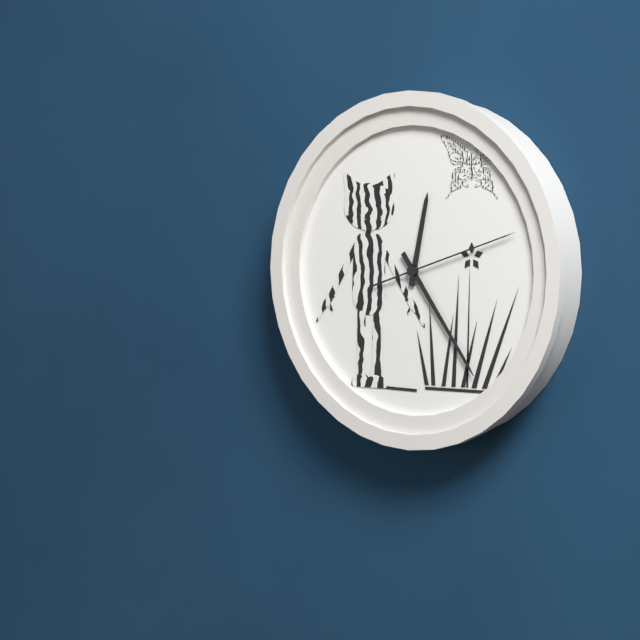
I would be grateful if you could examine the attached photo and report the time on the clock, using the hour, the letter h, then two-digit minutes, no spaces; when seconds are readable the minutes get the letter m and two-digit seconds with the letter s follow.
12h24m12s
